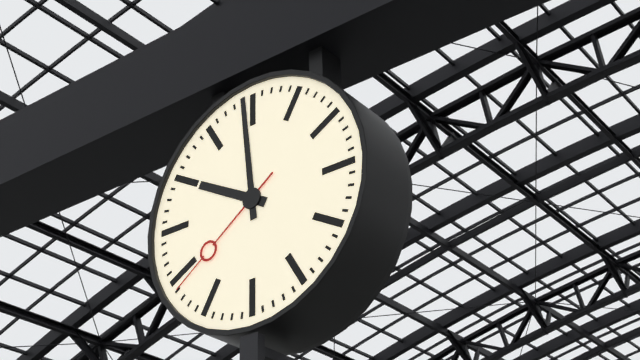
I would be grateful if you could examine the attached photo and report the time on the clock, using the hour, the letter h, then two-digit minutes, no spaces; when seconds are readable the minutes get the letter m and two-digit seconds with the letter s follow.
9h59m39s
